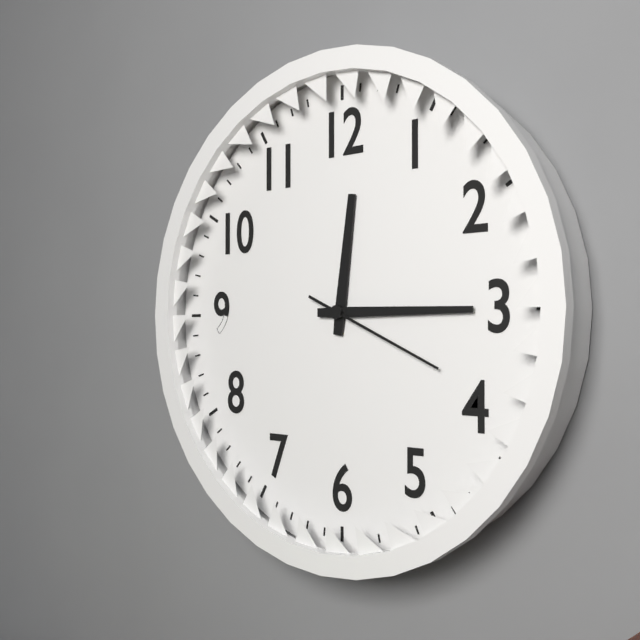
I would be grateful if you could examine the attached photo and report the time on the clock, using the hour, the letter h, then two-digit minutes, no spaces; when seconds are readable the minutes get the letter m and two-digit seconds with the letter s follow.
12h15m19s
